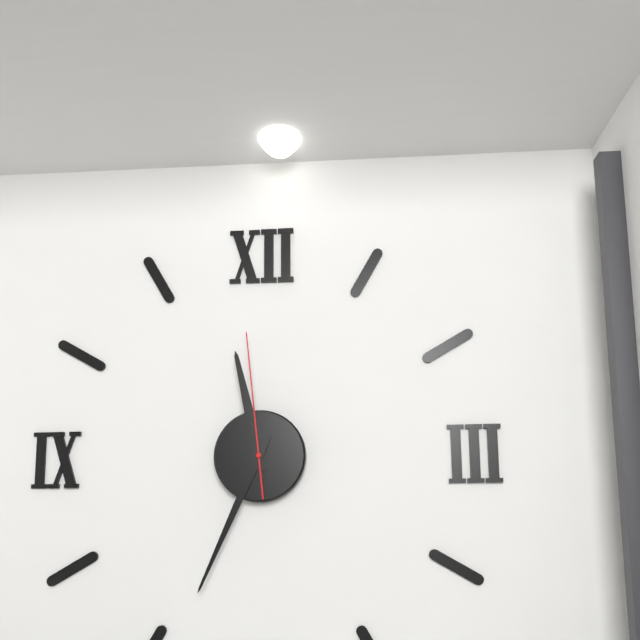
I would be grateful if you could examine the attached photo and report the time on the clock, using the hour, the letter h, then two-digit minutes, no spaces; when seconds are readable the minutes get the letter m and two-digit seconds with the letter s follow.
11h34m59s
